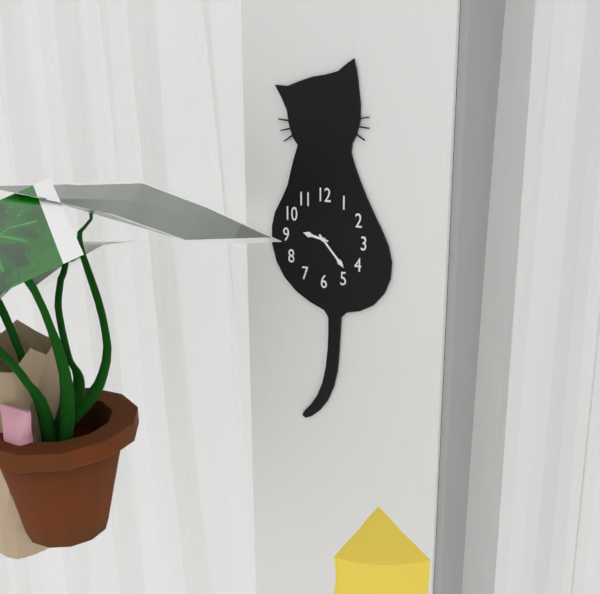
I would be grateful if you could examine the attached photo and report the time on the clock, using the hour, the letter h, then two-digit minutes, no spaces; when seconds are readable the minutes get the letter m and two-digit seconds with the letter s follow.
9h23
